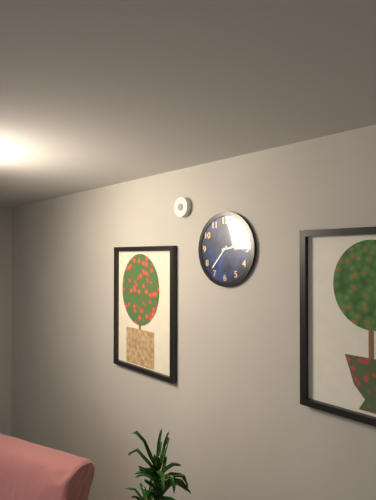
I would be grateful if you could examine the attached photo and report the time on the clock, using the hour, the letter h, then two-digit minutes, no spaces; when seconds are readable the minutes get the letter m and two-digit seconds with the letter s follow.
2h37
